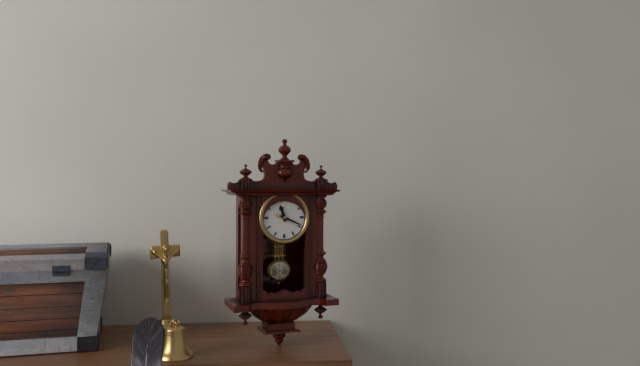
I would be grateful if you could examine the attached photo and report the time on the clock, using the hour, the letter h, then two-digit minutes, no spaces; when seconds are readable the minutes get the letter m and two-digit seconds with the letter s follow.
11h19
